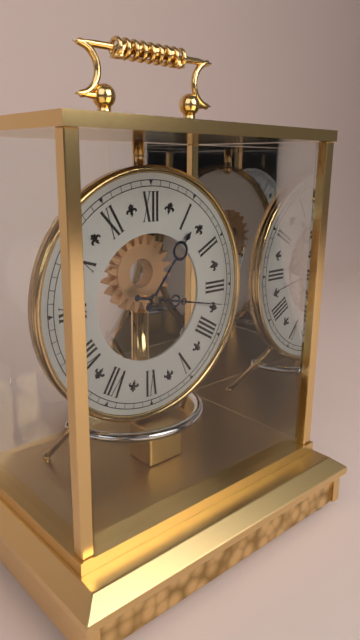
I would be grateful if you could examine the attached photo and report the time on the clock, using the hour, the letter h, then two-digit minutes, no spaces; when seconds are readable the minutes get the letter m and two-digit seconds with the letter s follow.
1h17
